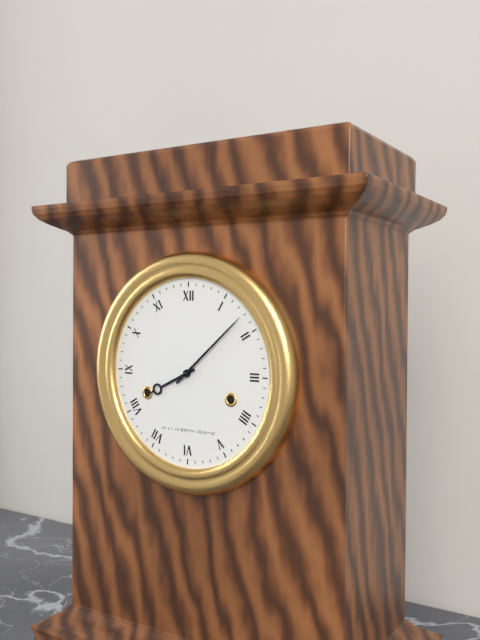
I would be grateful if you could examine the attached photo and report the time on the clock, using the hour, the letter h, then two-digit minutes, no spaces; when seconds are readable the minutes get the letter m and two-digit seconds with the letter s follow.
8h08
